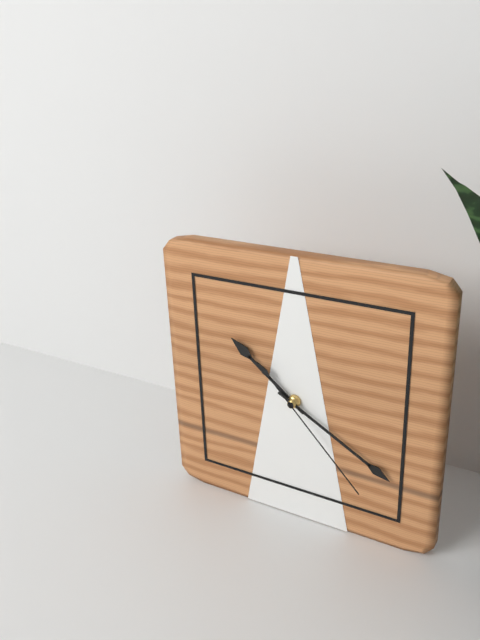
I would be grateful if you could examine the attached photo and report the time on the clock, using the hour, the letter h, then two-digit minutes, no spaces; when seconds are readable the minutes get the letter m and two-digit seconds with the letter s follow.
10h20m23s
